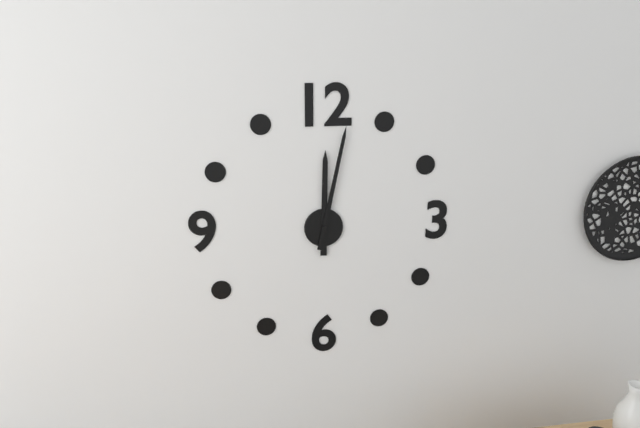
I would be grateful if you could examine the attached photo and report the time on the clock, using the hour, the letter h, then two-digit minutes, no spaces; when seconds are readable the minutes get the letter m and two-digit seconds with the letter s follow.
12h02
